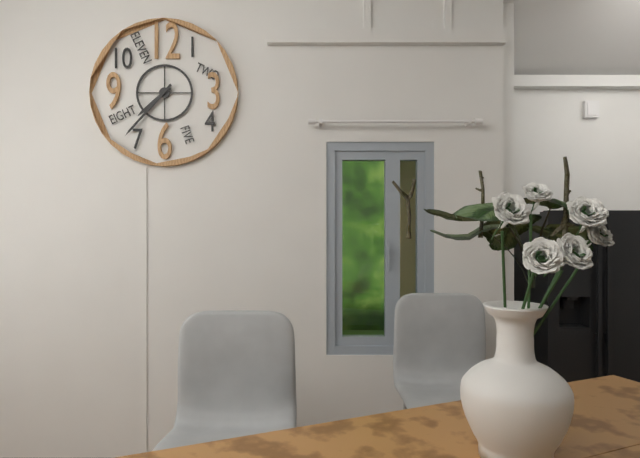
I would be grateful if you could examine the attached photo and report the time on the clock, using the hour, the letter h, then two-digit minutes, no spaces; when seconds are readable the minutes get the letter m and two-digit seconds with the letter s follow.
7h37
